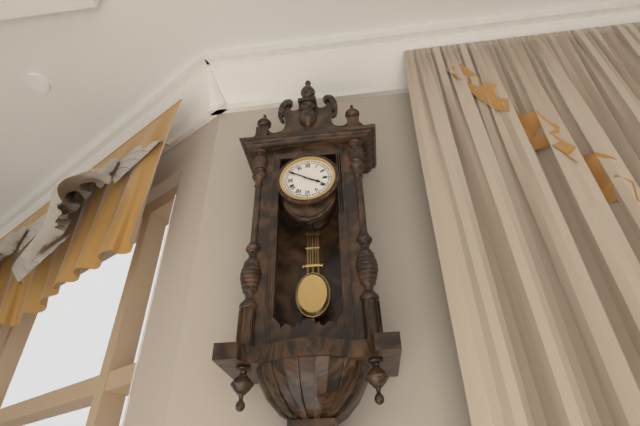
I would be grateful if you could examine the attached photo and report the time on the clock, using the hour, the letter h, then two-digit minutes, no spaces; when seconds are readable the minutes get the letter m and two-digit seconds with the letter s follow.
3h50
